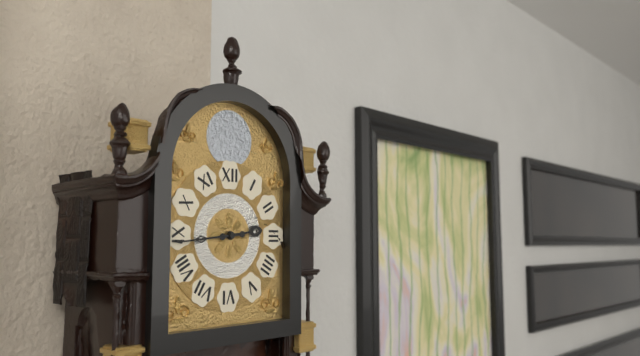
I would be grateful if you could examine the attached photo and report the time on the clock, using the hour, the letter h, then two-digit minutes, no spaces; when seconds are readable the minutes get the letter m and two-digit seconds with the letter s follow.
2h44
